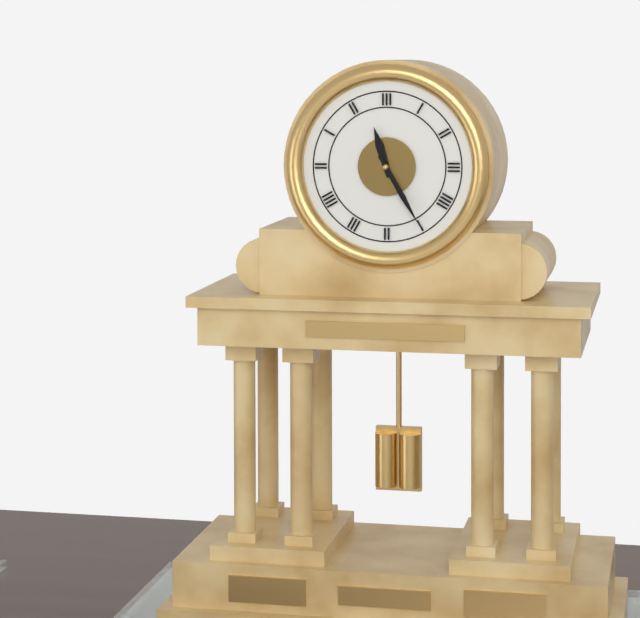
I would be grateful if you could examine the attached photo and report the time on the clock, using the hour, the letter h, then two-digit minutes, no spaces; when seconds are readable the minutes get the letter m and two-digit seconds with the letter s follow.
11h25
